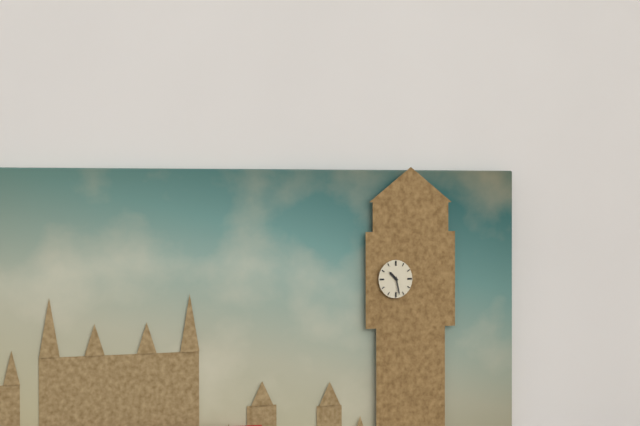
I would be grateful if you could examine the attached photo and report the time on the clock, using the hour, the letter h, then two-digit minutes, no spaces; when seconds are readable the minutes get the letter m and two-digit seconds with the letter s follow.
10h28
